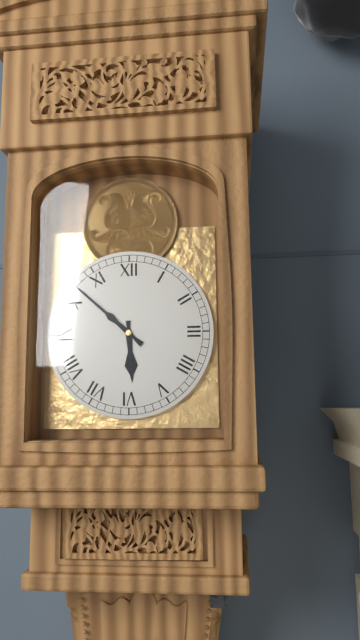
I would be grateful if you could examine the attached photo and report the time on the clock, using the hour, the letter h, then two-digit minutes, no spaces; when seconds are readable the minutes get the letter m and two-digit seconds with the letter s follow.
5h52
